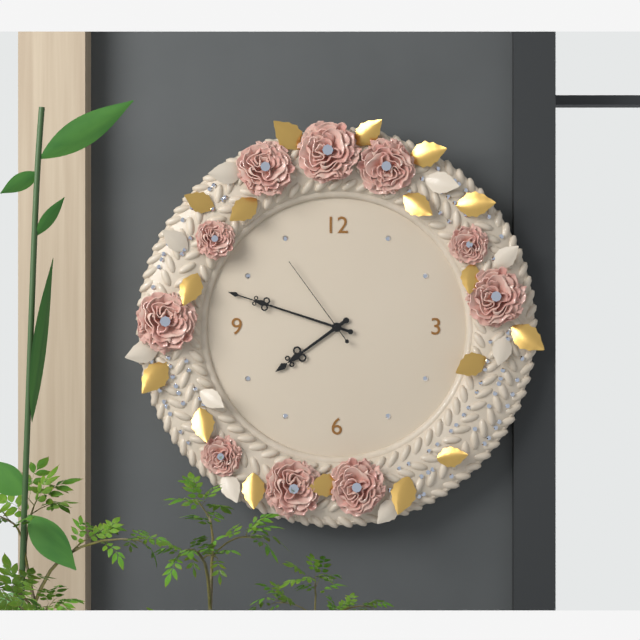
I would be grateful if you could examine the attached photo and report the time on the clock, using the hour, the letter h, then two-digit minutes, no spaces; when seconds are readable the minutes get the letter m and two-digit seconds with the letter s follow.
7h48m54s
